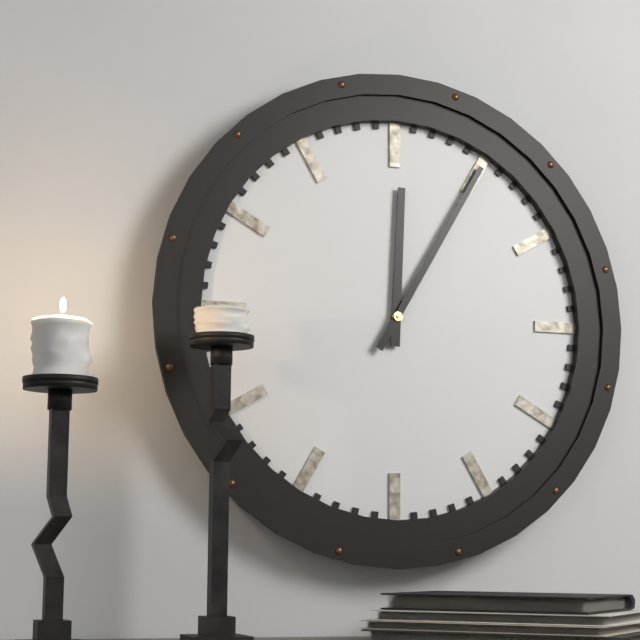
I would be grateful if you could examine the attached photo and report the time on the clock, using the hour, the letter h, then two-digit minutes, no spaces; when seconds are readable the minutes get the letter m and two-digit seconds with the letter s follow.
12h05
